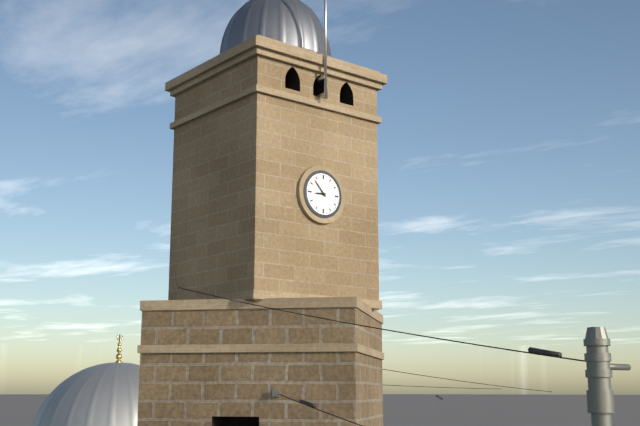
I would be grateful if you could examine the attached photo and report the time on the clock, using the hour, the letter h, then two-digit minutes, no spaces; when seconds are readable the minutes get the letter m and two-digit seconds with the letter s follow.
8h53
